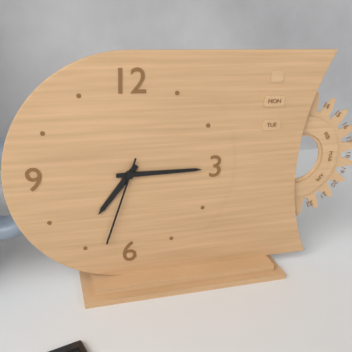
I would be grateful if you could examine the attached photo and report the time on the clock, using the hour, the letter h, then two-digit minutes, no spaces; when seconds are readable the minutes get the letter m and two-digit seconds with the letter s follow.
7h15m33s
